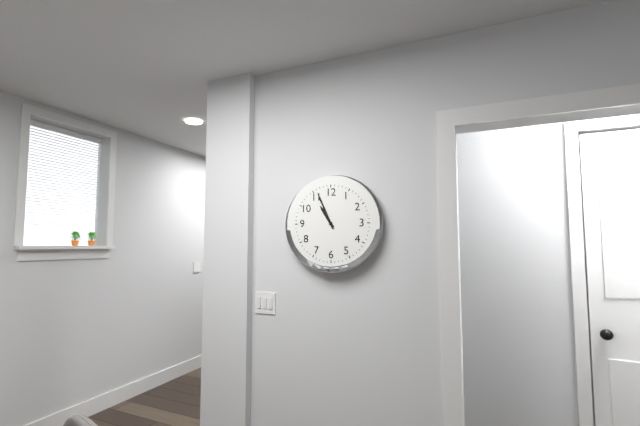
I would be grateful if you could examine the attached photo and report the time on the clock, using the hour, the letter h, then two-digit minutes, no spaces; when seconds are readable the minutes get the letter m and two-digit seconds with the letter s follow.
10h56
